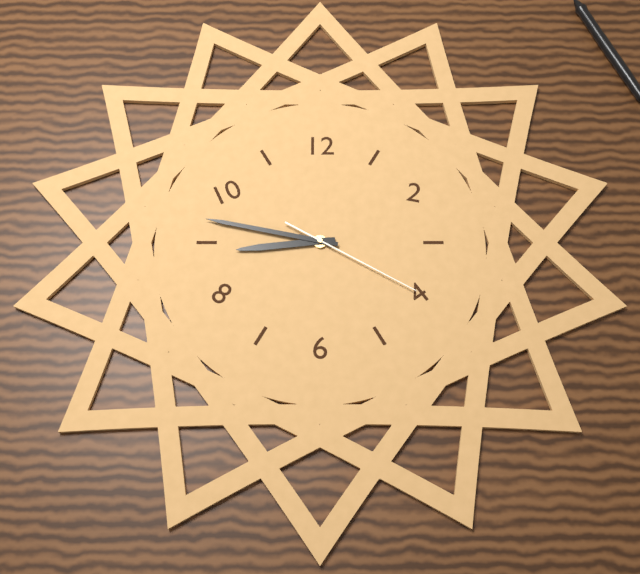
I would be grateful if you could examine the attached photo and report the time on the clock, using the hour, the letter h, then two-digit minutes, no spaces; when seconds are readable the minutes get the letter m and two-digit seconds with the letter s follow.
8h47m20s
